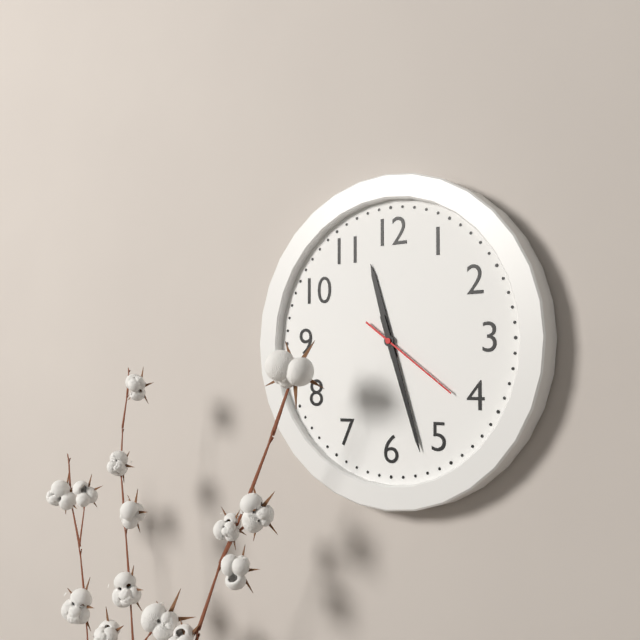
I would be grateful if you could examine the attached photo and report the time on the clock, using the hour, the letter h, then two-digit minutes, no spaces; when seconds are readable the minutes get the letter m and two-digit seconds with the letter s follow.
11h27m21s
